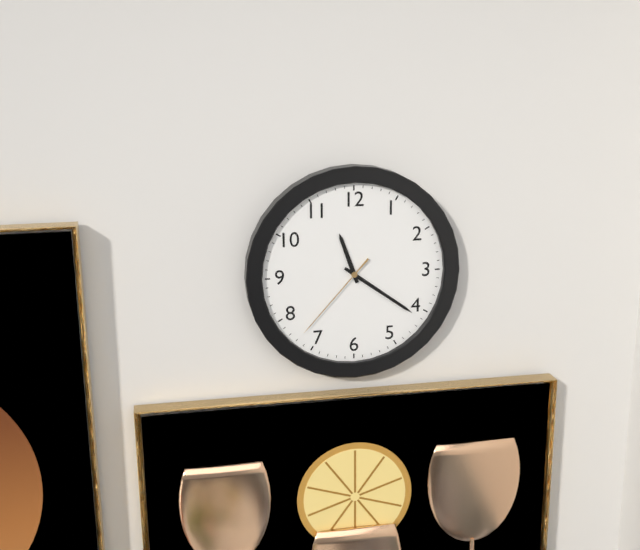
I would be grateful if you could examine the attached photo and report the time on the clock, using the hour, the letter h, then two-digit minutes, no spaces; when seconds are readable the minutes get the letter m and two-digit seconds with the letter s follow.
11h21m37s
